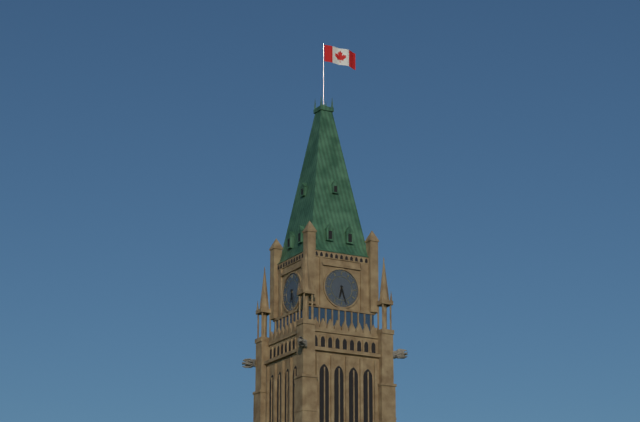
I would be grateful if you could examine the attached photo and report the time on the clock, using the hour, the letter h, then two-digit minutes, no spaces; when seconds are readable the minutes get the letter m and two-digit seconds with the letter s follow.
6h27
